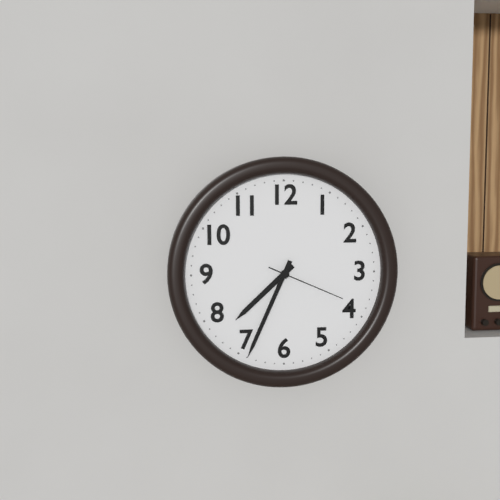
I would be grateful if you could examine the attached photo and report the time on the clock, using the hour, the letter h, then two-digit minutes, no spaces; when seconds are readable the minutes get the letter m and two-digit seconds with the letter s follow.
7h34m19s
